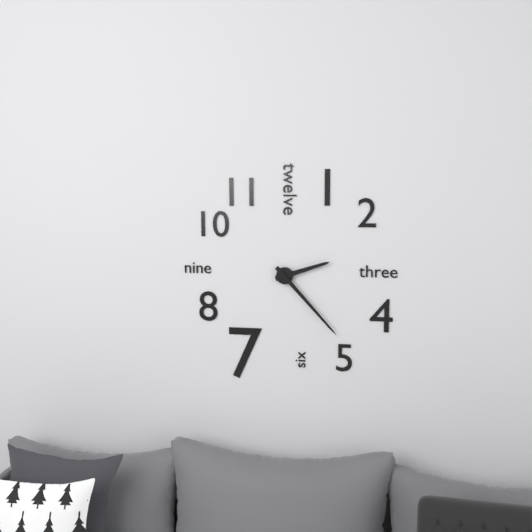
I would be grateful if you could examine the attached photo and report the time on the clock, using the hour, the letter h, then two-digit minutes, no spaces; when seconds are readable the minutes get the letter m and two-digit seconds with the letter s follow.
2h23
